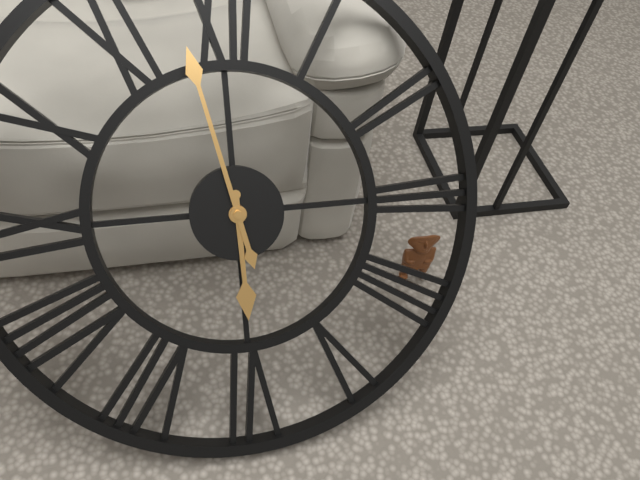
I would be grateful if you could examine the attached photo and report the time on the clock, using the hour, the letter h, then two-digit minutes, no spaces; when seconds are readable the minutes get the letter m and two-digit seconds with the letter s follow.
5h58
